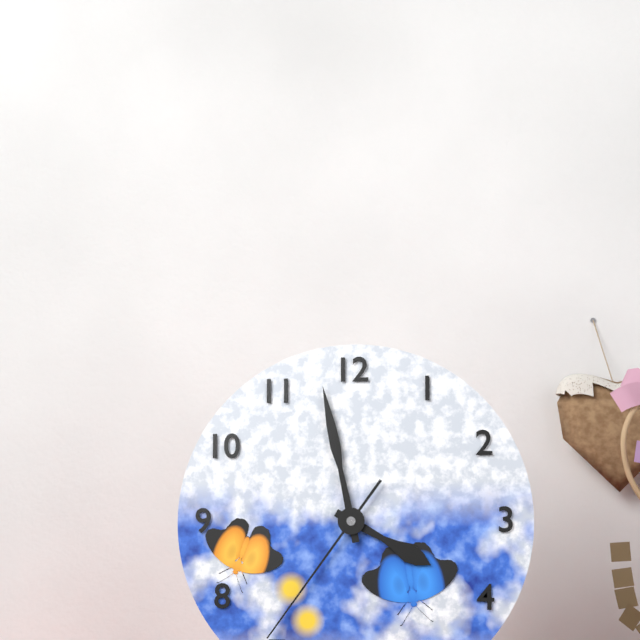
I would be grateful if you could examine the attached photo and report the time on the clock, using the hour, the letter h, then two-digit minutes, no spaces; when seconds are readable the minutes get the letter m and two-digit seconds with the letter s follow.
3h58m36s
